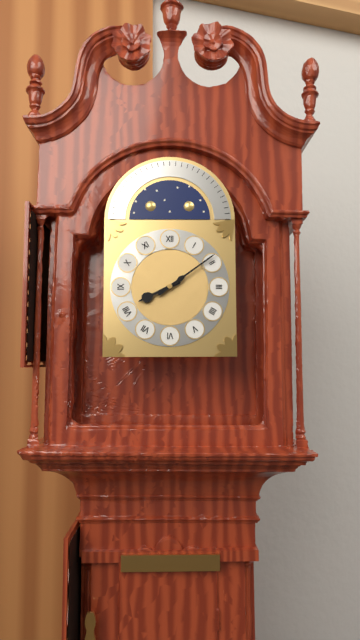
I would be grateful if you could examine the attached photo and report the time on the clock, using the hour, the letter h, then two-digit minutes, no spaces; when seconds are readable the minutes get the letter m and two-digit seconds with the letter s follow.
8h09
